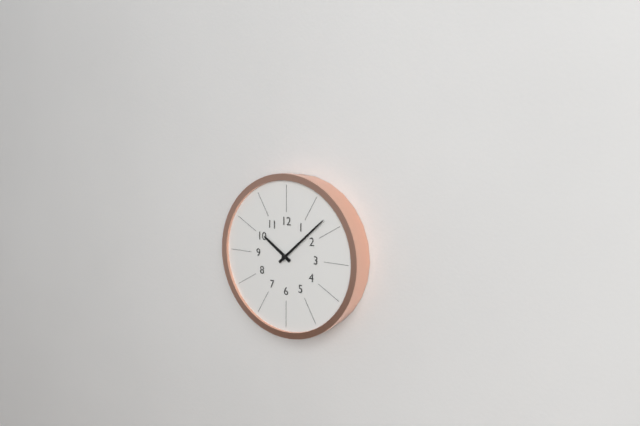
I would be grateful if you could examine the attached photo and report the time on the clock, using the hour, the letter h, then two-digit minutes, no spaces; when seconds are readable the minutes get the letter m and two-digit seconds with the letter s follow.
10h08
